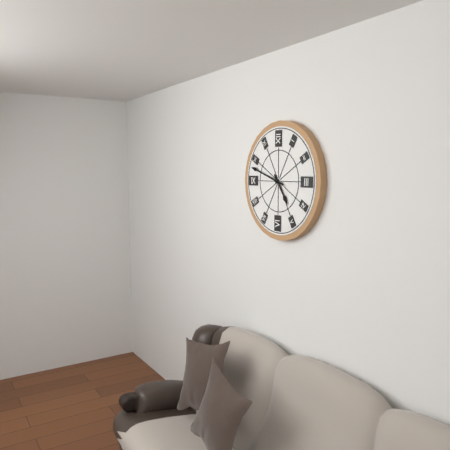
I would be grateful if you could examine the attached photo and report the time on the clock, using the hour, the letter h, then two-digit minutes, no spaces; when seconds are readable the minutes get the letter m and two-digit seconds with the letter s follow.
4h48
